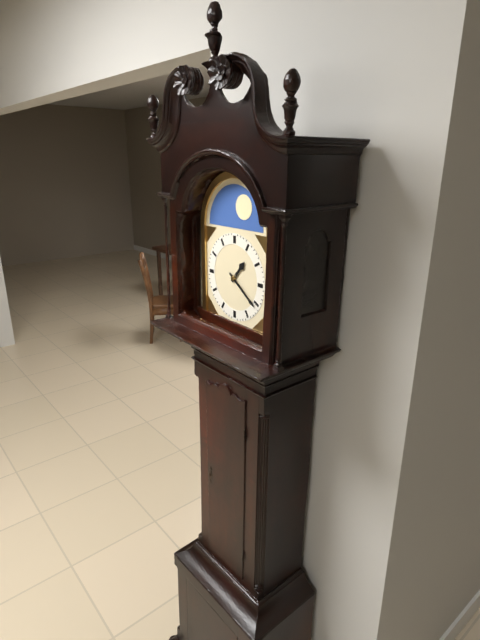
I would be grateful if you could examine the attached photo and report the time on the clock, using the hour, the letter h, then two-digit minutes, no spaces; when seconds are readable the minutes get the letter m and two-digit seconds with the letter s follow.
1h21
